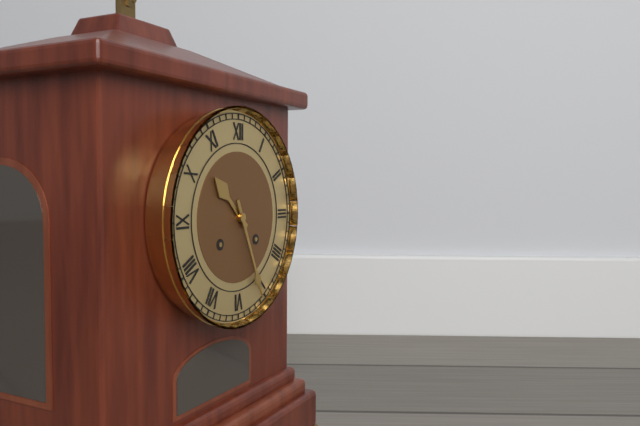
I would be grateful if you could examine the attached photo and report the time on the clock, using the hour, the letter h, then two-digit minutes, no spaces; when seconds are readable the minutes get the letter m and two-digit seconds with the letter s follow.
10h26
